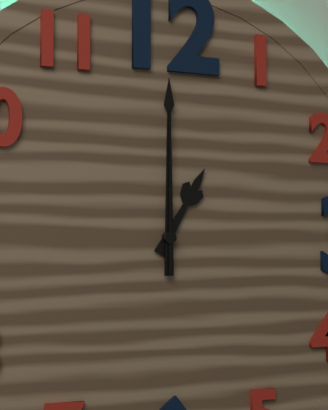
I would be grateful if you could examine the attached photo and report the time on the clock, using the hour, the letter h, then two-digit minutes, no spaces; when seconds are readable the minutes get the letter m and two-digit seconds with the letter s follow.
1h00m00s
